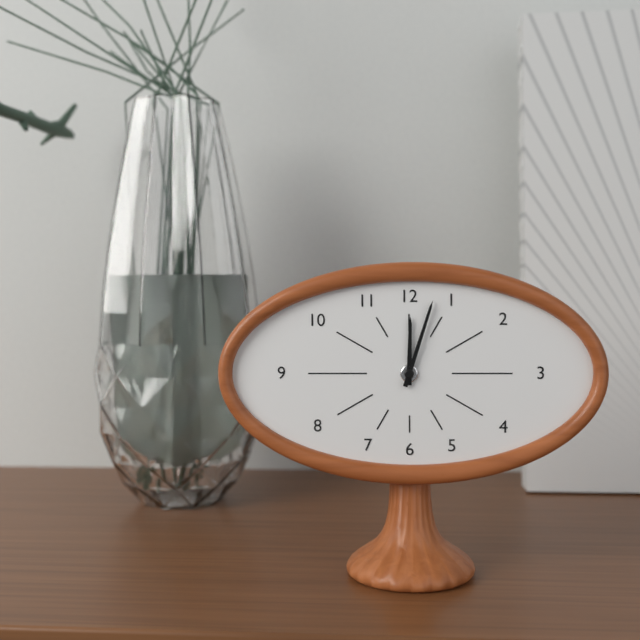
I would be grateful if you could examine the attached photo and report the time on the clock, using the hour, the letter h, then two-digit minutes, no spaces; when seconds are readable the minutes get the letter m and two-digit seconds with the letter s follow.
12h03
